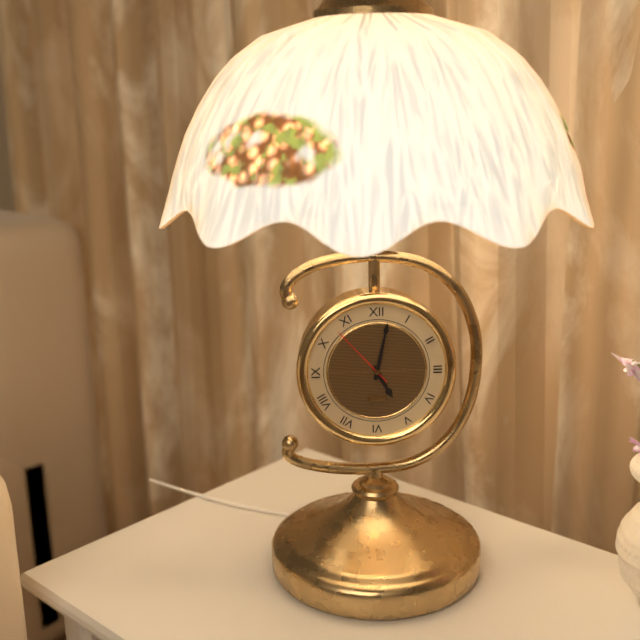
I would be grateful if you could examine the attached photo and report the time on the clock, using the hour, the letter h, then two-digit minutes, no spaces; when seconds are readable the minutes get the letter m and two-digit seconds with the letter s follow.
5h02m53s
